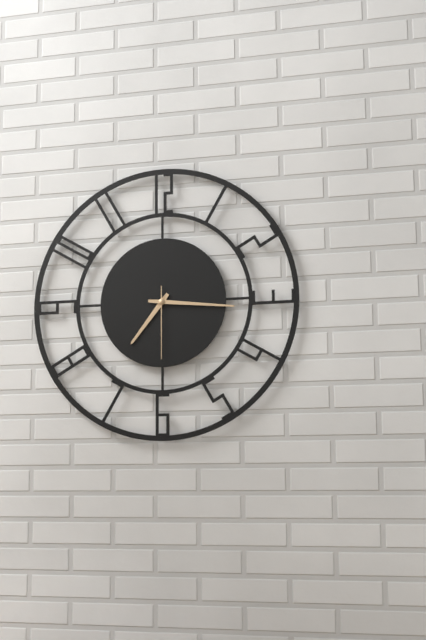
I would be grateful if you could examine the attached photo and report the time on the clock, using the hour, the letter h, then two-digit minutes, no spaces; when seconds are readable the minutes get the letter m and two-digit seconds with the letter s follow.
7h16m30s
